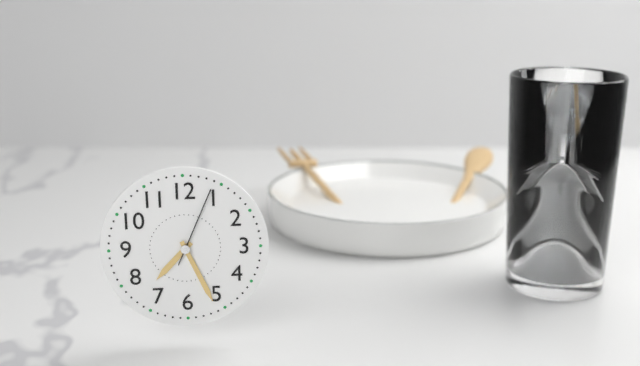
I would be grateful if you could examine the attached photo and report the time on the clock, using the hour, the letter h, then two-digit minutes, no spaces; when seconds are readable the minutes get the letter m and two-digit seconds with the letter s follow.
7h26m04s
